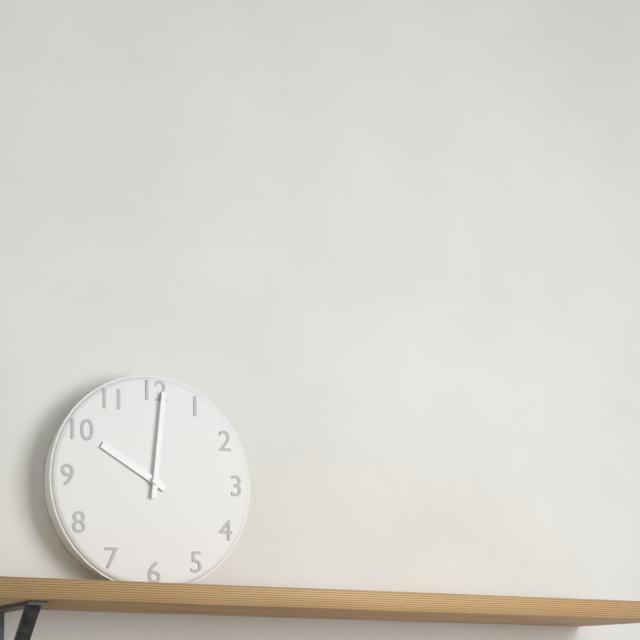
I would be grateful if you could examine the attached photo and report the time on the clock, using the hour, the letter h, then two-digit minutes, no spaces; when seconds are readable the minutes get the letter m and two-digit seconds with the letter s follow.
10h01
